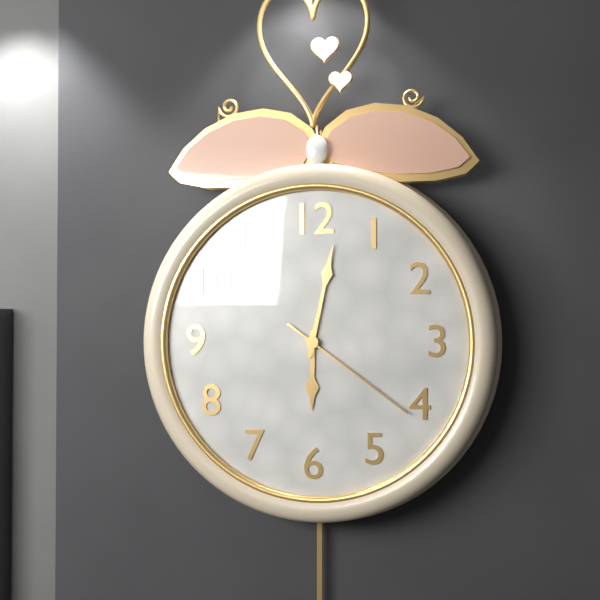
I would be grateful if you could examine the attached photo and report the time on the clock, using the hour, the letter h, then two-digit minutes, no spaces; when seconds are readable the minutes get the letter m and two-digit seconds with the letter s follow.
6h02m21s
